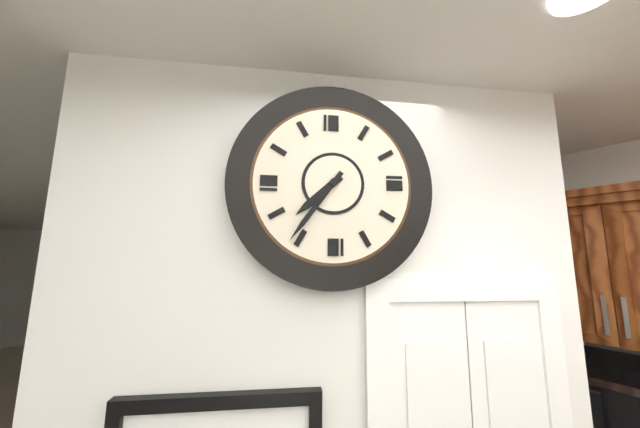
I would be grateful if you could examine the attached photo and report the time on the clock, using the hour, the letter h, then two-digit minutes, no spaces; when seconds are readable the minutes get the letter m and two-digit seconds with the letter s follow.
7h36
